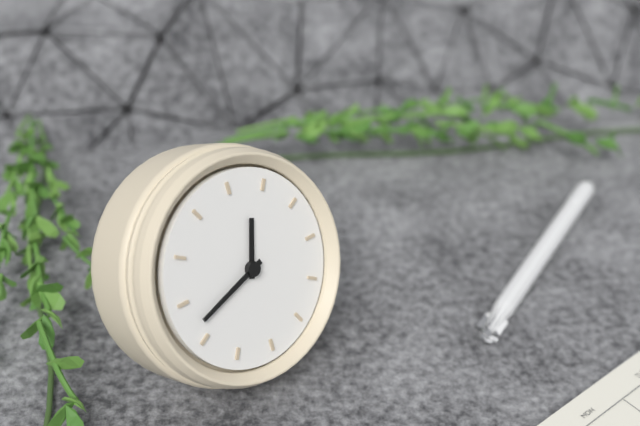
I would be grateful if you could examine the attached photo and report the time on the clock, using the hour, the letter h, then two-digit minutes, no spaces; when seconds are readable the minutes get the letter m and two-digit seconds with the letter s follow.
11h37
